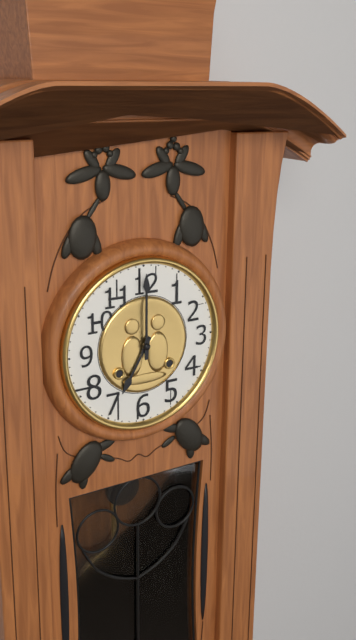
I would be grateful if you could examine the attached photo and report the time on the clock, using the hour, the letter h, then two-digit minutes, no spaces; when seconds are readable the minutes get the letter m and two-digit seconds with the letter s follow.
7h00
